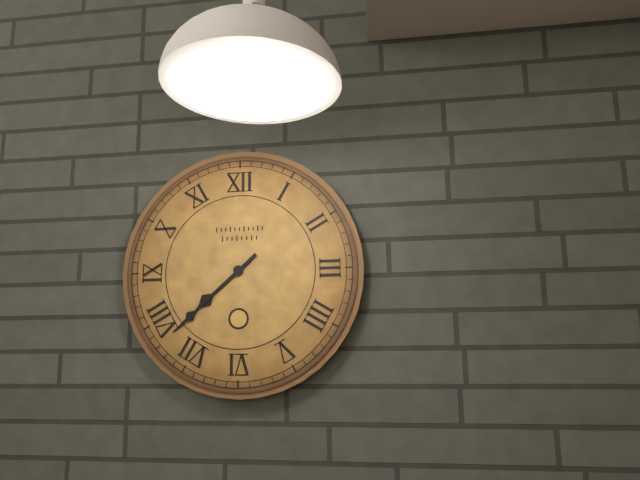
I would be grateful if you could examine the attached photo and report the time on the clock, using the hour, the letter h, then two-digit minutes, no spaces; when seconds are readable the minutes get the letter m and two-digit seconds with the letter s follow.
7h38
